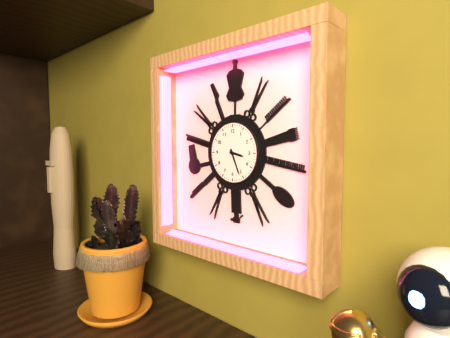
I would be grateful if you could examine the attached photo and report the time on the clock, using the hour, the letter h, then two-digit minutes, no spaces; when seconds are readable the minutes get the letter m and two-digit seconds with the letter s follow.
3h26
